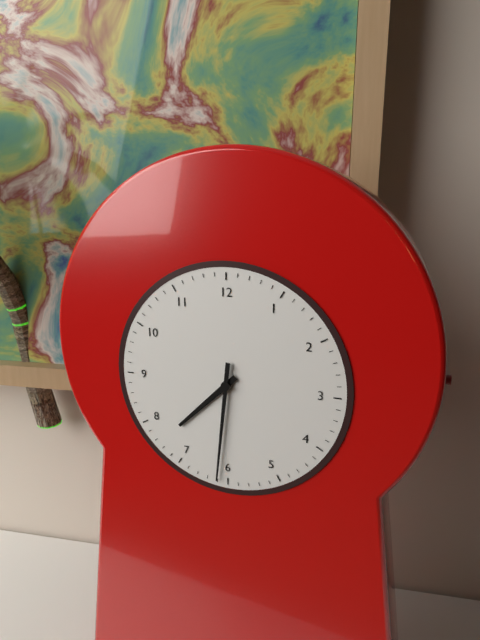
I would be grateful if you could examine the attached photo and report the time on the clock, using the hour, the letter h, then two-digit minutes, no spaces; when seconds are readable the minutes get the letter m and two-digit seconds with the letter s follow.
7h31
